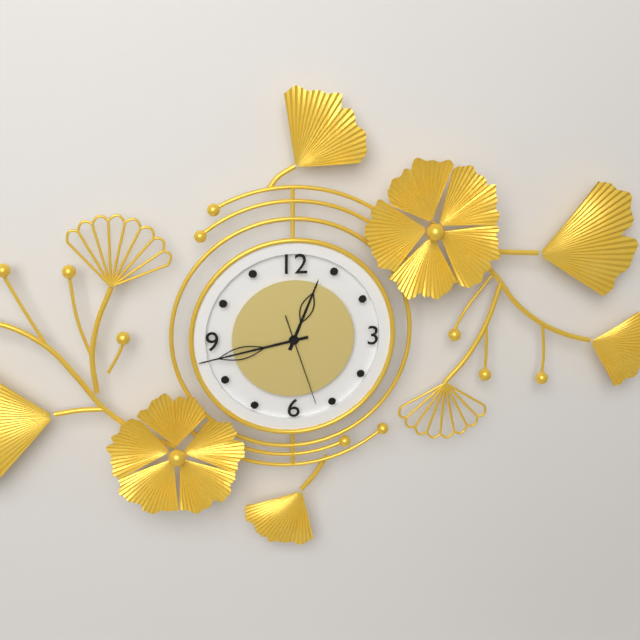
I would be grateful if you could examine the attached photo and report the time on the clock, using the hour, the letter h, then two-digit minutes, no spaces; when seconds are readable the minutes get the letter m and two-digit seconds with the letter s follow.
12h43m27s
